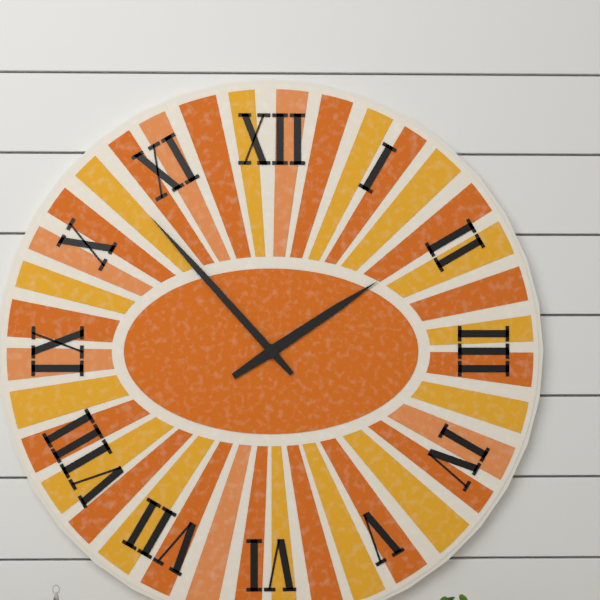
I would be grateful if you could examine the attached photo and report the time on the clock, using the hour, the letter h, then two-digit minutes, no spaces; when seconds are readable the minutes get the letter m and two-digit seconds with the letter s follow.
1h53
